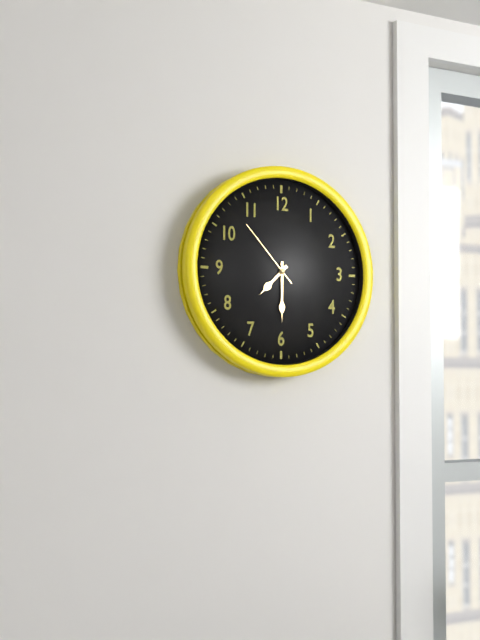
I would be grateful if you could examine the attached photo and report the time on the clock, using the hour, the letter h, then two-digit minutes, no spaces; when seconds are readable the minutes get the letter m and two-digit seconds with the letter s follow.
7h30m53s
